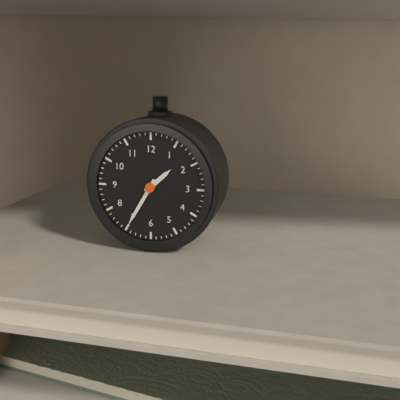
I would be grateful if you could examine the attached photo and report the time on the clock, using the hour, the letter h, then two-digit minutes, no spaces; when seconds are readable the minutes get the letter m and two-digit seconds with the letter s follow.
1h35
